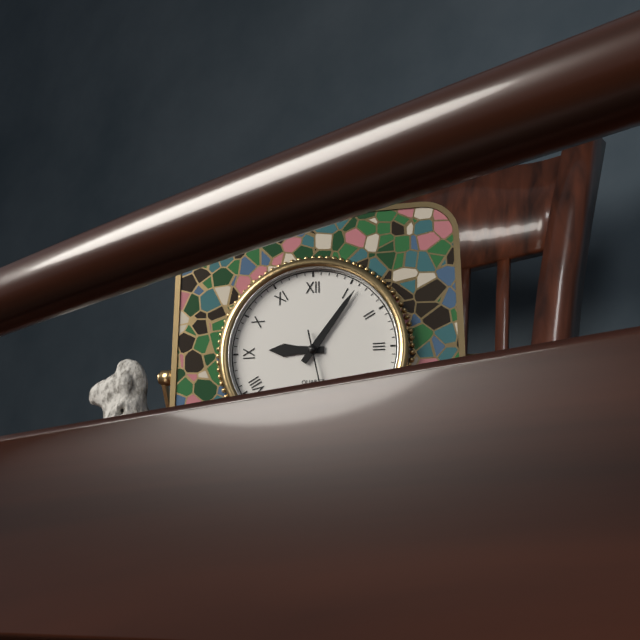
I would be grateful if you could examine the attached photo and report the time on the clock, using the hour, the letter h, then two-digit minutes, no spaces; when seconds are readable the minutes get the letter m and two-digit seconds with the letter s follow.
9h06
